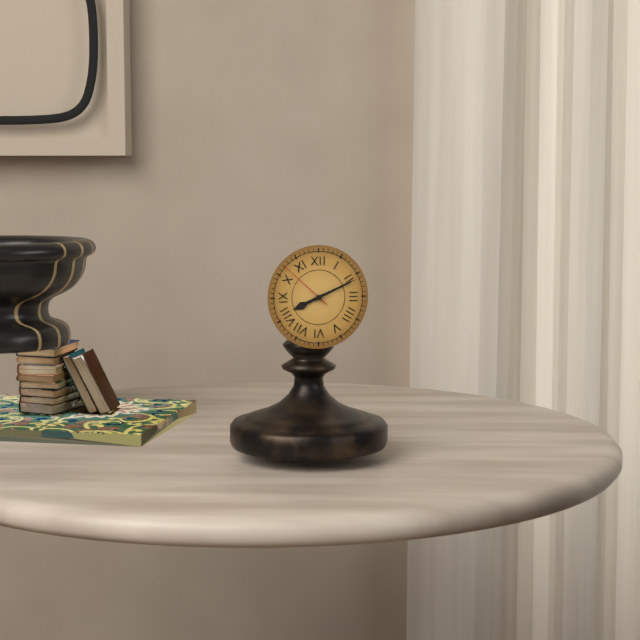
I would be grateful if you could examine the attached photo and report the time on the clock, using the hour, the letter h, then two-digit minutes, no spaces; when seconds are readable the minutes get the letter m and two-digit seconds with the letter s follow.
8h11m52s
